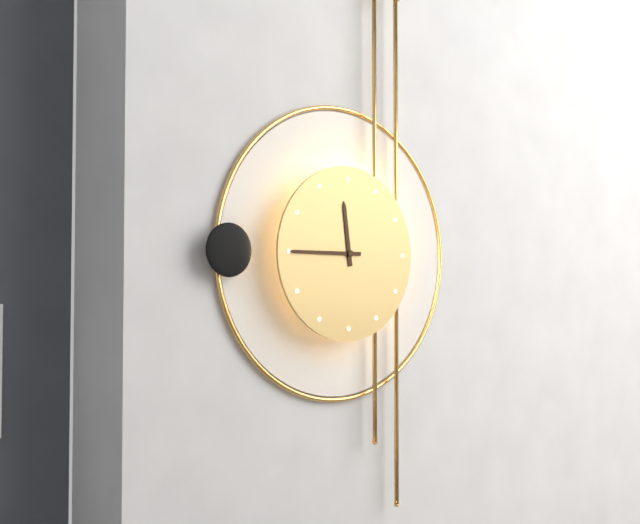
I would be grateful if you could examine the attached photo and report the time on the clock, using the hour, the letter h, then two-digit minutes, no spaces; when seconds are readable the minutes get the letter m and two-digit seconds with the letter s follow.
11h45
